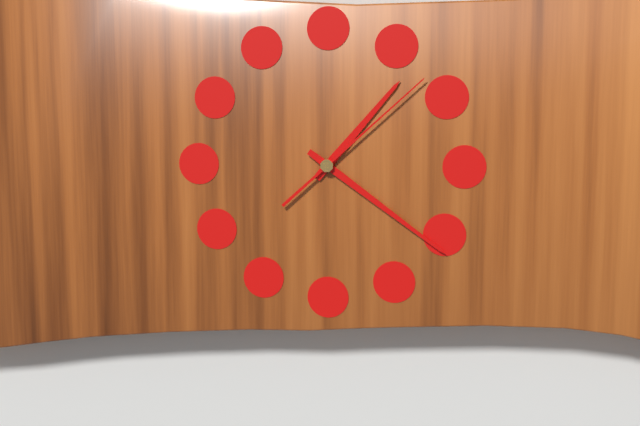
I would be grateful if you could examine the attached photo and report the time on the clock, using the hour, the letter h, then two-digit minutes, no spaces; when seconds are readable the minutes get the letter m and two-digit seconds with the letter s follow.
1h21m08s
